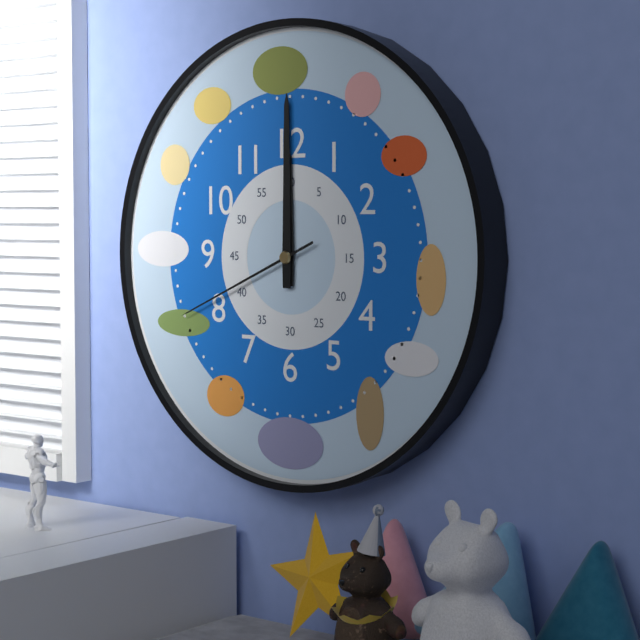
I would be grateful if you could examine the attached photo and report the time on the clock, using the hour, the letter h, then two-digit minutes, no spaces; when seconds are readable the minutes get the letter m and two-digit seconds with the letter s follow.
12h00m41s
